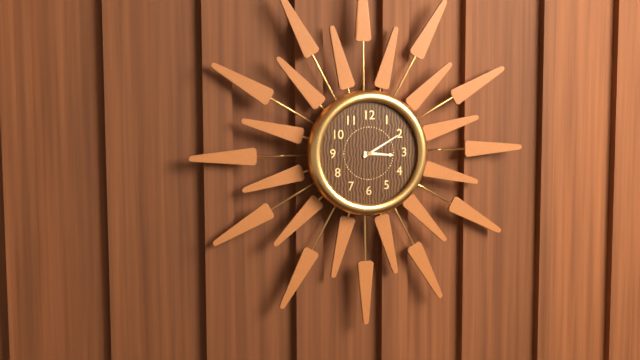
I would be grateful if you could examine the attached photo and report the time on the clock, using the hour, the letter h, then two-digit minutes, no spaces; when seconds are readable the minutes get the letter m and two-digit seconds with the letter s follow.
3h10
